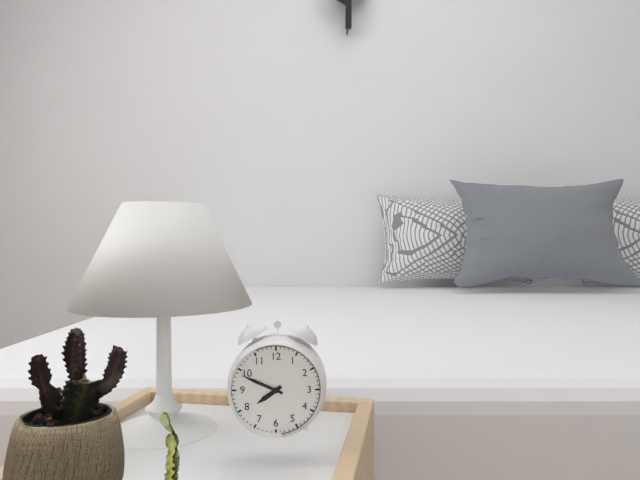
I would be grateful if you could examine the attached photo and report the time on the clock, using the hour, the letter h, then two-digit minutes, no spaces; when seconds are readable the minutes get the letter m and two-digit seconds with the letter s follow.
7h49
